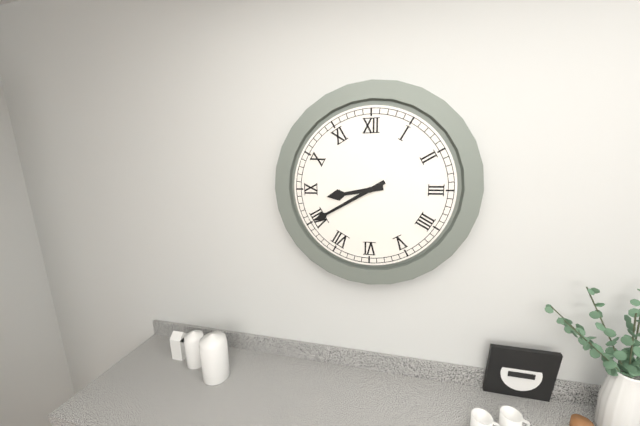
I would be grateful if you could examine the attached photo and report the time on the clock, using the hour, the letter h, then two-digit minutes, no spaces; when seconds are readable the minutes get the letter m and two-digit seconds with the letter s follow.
8h40
